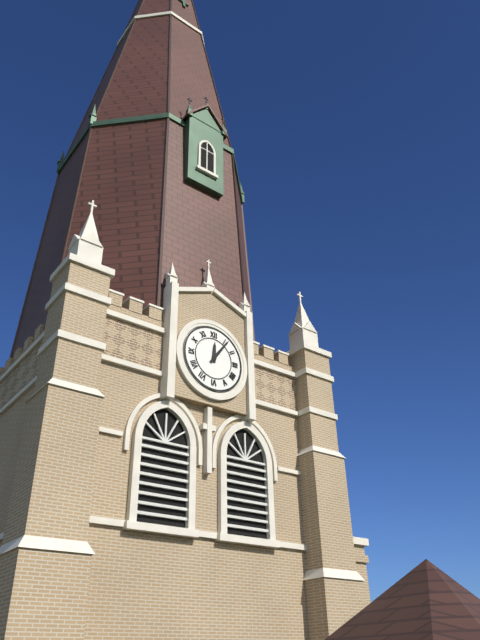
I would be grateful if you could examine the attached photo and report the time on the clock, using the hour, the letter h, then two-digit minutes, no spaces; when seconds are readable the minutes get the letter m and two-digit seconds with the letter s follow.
12h06
